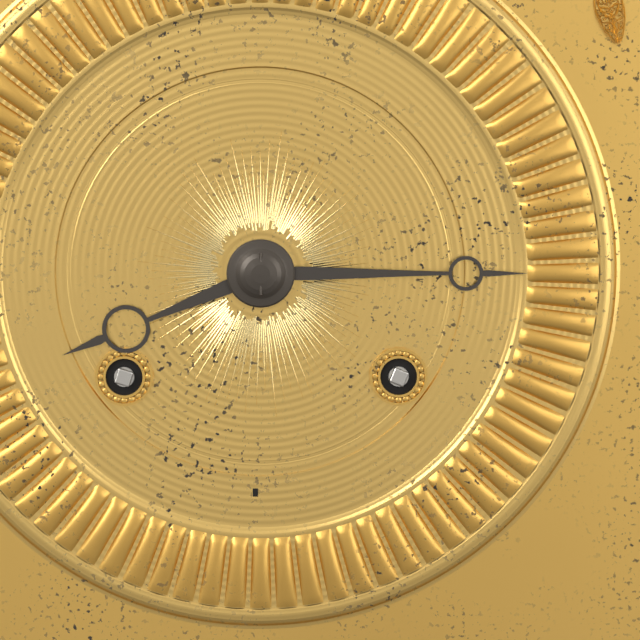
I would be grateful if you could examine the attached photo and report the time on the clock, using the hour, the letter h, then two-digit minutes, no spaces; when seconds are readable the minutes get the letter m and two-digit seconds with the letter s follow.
8h15
